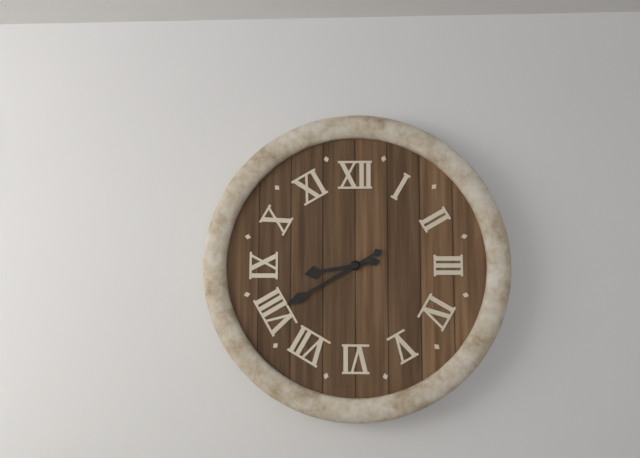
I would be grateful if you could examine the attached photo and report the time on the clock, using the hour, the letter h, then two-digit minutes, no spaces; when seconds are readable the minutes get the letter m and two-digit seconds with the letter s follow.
8h40
